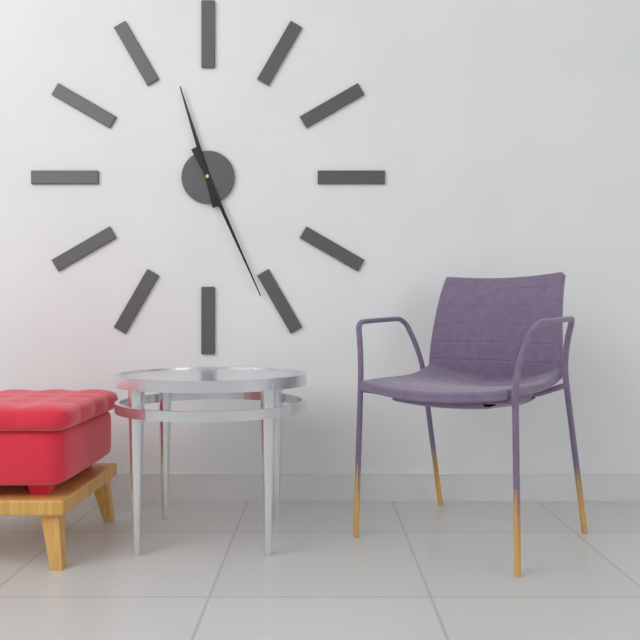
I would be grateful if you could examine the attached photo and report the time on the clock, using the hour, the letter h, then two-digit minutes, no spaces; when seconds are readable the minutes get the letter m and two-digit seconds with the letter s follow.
11h26
